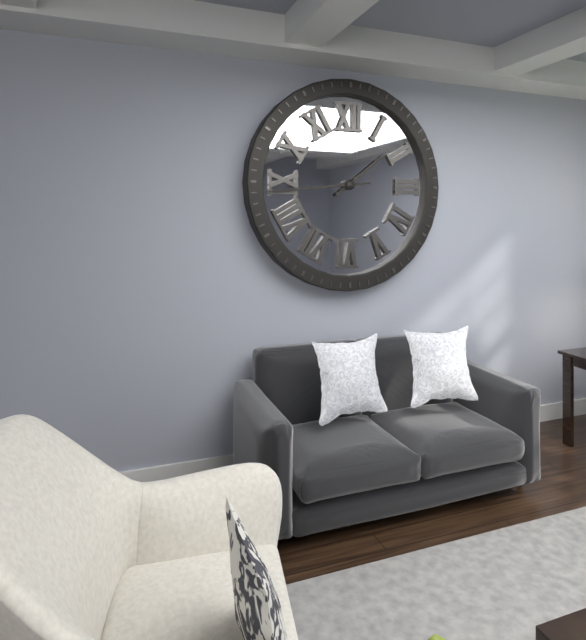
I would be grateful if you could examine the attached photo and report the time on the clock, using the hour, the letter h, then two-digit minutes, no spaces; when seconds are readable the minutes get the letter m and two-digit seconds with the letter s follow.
1h44
